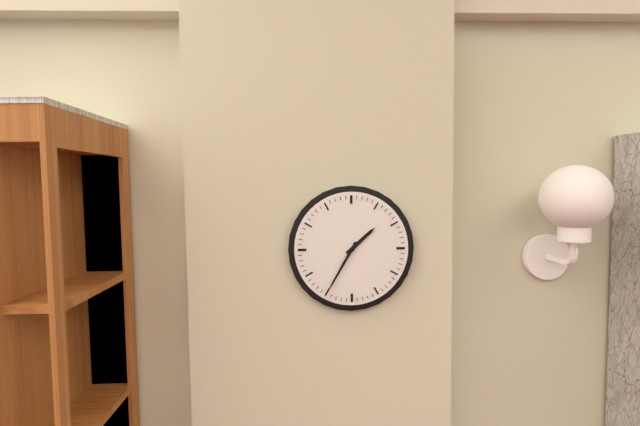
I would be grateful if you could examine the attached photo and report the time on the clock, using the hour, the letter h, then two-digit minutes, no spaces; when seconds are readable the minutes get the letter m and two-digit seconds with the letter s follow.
1h35
